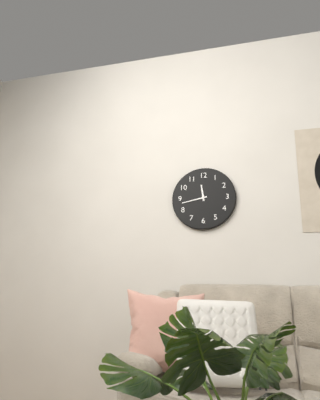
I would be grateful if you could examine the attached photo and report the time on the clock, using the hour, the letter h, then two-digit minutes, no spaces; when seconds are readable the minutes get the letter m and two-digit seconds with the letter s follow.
11h43
